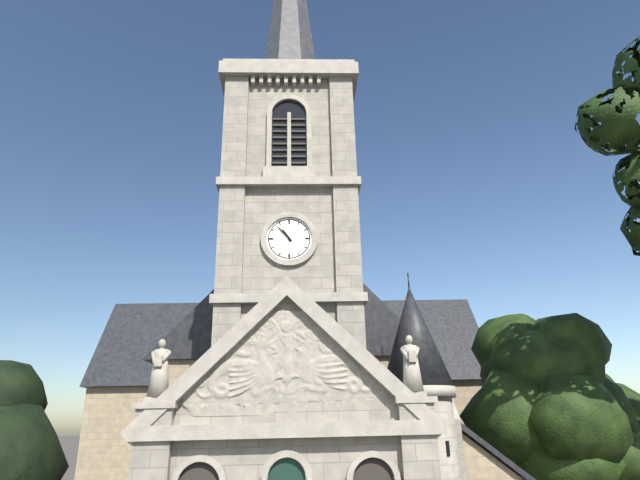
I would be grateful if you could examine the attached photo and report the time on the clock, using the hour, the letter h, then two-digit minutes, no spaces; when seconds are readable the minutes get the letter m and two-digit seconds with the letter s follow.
10h53
